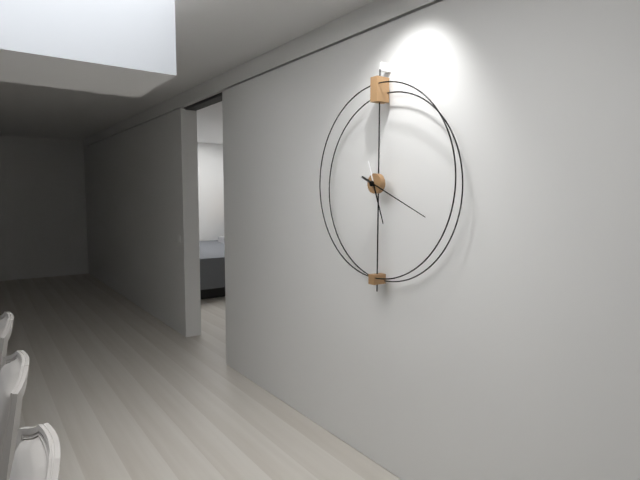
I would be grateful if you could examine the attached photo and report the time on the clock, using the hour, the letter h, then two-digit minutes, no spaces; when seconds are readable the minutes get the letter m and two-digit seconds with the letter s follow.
5h19
